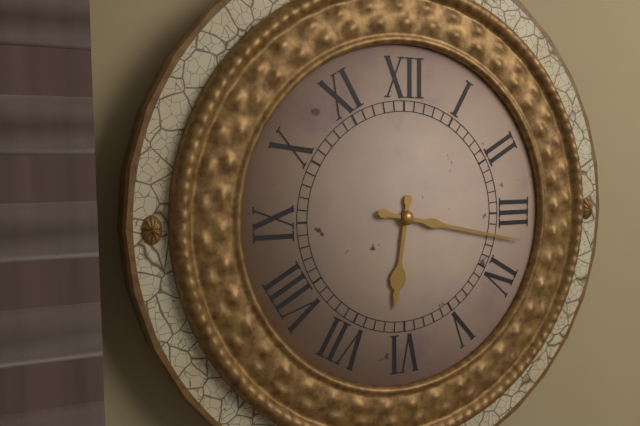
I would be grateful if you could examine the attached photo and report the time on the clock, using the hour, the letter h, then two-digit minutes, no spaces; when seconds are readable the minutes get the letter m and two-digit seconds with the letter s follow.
6h17
